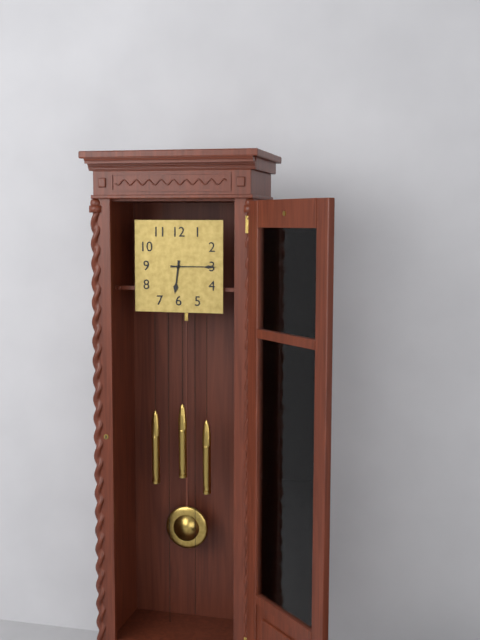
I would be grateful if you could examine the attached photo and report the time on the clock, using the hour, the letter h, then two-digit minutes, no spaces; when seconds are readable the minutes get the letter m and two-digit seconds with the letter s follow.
6h15
